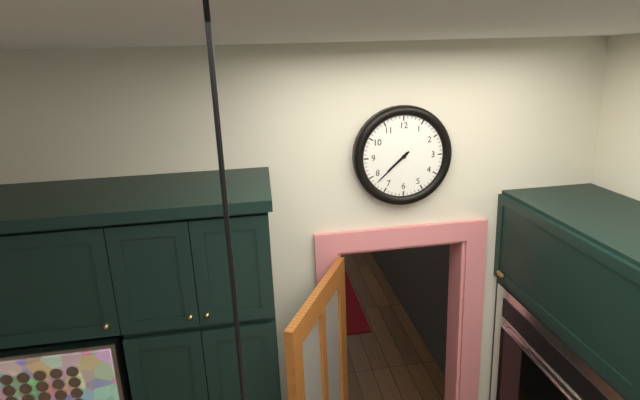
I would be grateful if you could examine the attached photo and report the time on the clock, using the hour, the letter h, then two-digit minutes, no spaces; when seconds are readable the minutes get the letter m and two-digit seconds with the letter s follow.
7h38
